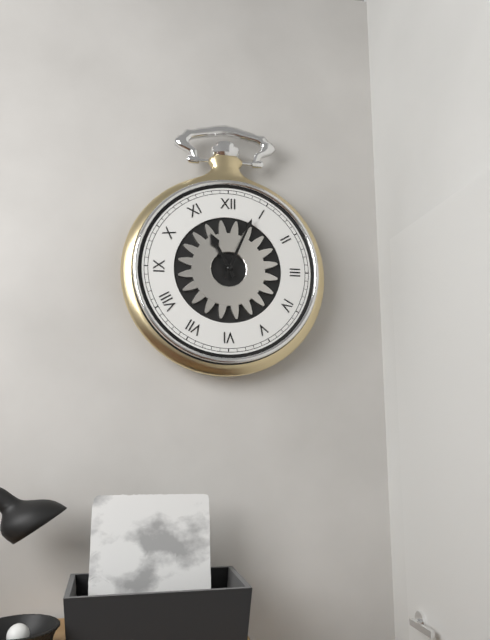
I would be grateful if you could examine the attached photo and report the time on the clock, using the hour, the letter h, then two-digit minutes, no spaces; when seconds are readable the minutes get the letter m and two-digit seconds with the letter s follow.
11h04
